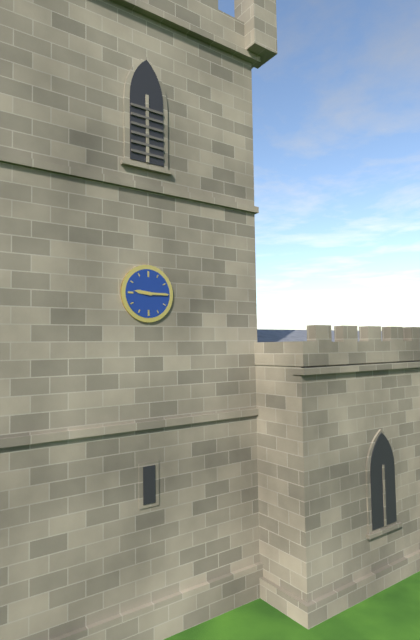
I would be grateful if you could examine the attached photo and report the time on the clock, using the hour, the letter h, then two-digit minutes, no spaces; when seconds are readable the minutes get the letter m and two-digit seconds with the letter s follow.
9h15
